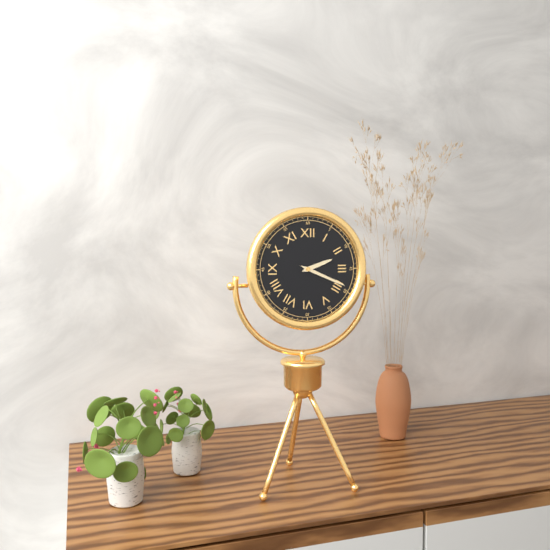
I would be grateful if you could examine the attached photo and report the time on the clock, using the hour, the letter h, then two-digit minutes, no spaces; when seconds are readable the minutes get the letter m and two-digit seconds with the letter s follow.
2h19
